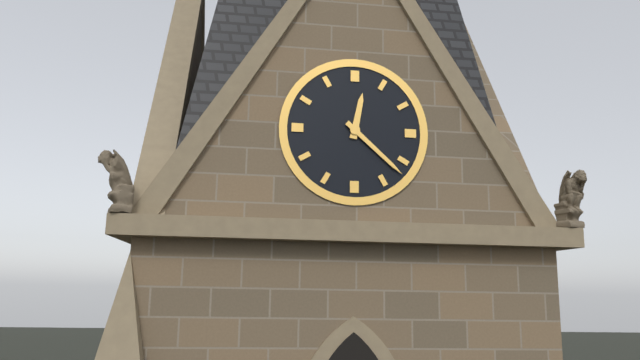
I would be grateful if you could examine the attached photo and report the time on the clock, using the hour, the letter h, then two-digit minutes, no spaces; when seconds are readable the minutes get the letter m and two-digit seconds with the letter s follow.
12h22
